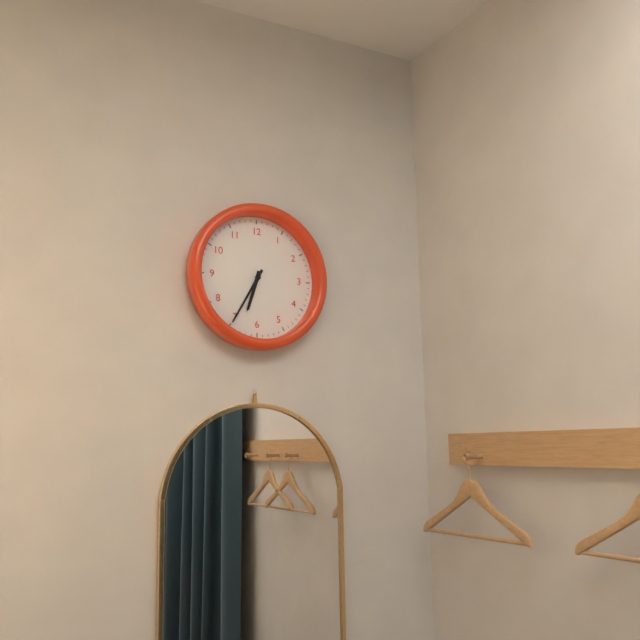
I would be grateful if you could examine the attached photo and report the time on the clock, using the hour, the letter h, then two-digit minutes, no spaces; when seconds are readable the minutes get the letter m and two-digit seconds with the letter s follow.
6h35
